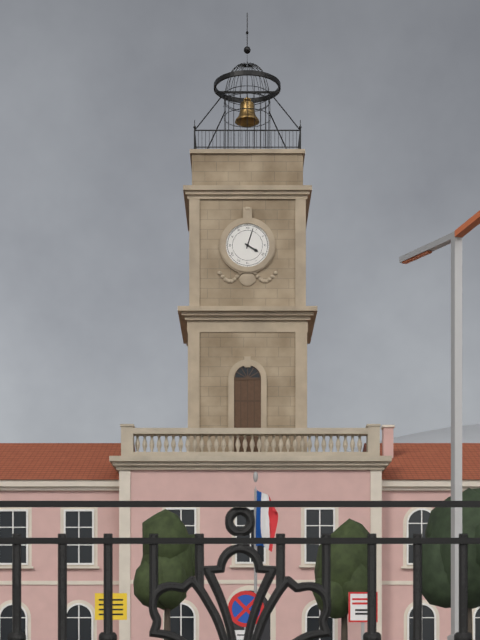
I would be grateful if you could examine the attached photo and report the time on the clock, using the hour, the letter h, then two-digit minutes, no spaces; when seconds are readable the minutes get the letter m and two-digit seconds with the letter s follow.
4h03
